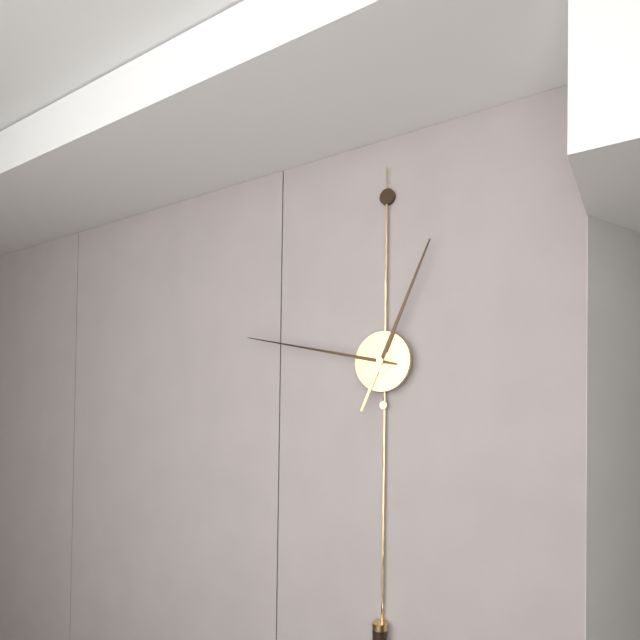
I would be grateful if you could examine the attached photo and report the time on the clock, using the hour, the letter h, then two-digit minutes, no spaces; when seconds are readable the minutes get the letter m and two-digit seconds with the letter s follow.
12h47
